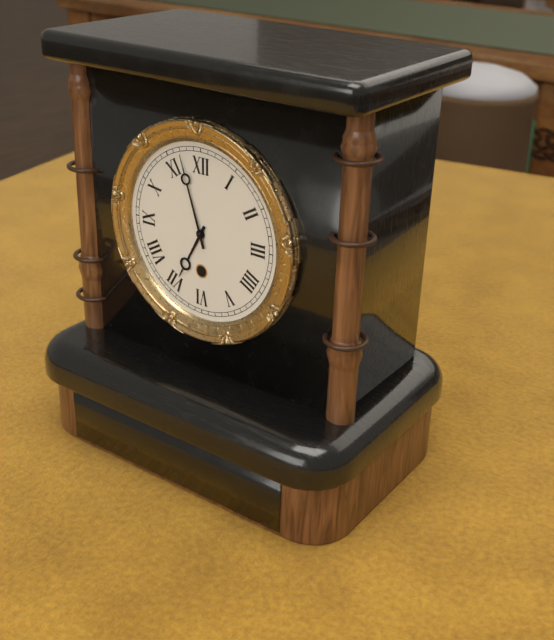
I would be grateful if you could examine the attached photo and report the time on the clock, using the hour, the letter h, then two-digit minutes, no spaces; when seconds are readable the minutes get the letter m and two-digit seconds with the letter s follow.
6h57
